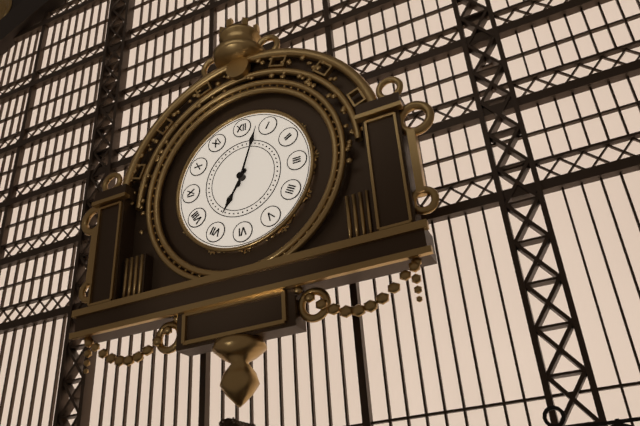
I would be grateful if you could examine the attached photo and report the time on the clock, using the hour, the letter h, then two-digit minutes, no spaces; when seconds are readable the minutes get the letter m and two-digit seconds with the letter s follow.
7h03
